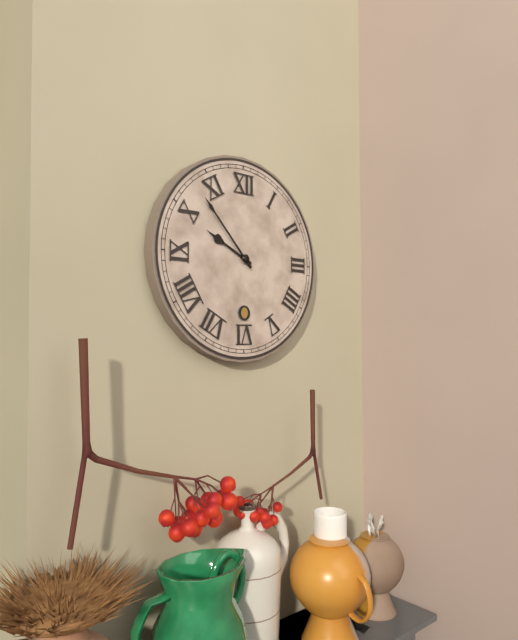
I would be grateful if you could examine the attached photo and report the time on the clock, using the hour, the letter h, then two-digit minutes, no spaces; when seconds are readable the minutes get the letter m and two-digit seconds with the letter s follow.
9h53
